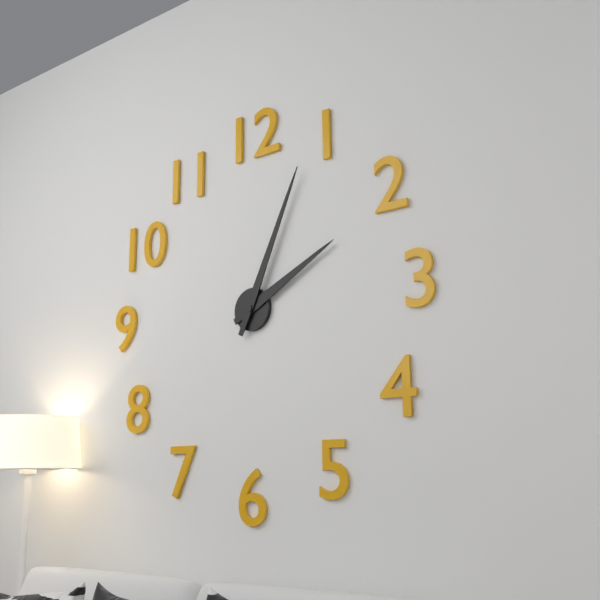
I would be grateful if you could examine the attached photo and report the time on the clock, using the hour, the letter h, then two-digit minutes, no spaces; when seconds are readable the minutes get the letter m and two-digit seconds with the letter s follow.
2h04
